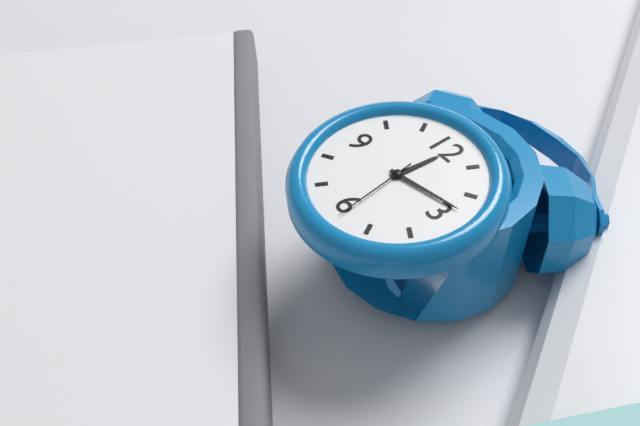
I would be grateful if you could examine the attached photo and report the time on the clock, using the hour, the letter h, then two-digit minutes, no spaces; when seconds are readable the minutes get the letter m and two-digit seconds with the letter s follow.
12h13m29s
